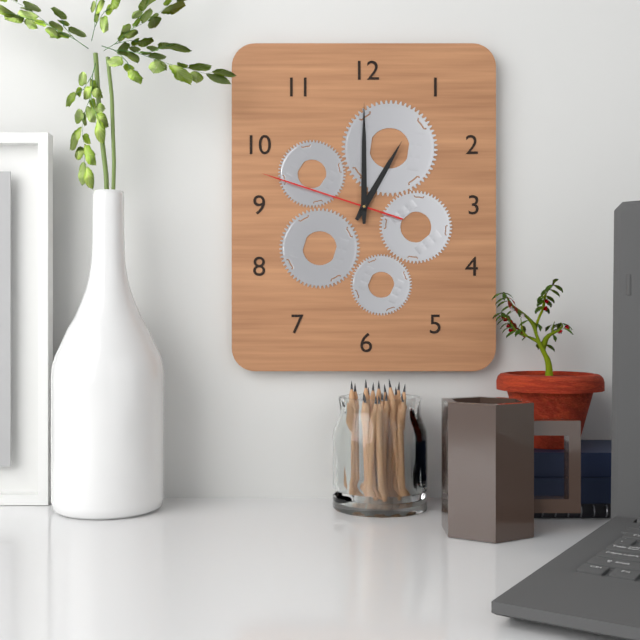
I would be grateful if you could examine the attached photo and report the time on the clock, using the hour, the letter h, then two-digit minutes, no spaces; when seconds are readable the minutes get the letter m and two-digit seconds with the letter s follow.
1h00m48s
